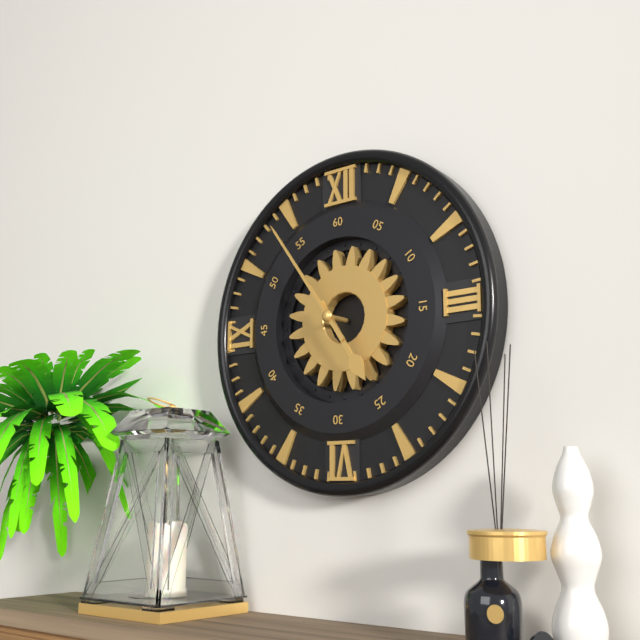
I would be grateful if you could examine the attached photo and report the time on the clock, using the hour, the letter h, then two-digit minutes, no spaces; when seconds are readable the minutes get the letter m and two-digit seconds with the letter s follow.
4h54
